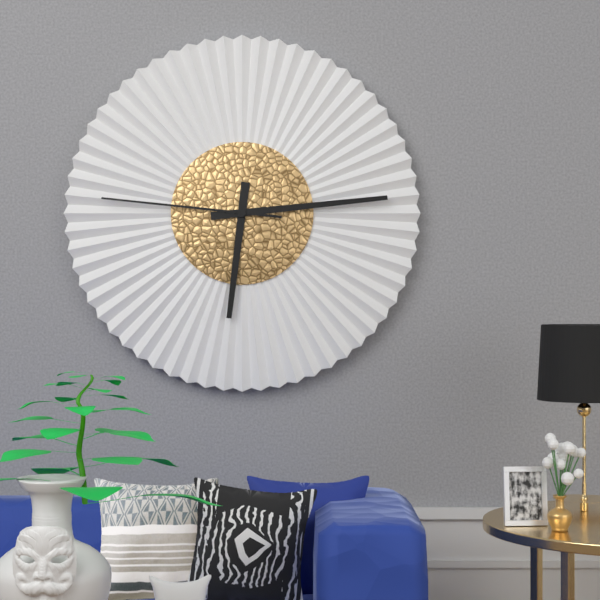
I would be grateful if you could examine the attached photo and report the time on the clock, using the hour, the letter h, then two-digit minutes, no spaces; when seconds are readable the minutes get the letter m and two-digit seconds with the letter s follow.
6h14m46s
